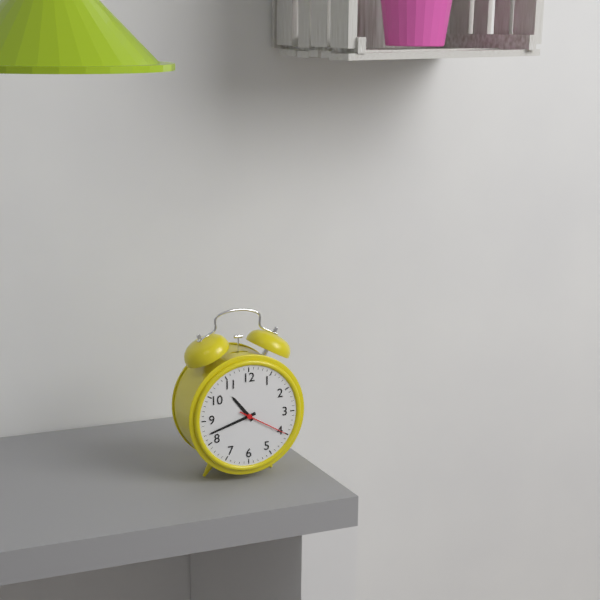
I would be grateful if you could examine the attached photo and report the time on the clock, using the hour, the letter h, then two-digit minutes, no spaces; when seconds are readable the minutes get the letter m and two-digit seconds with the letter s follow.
10h42m20s
